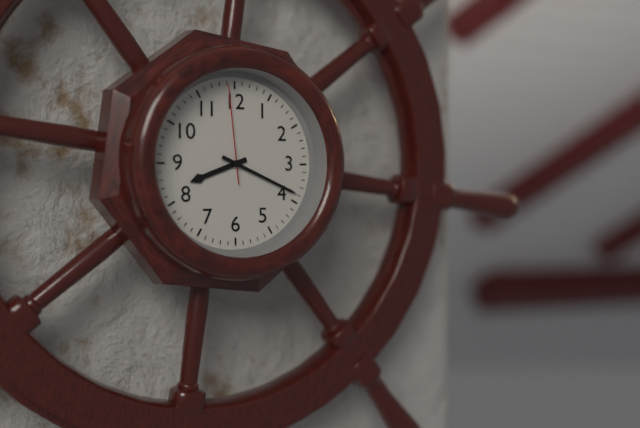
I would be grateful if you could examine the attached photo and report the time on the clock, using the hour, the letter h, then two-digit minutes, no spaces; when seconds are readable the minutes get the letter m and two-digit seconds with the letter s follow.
8h19m59s
